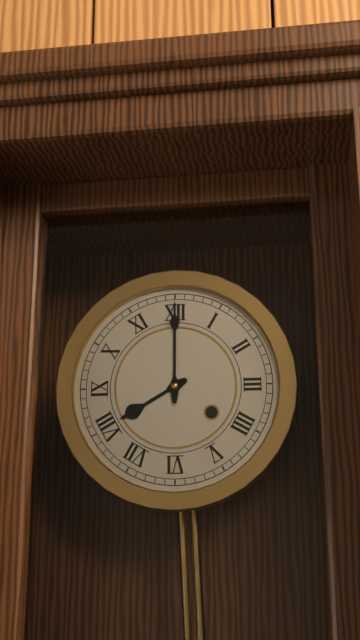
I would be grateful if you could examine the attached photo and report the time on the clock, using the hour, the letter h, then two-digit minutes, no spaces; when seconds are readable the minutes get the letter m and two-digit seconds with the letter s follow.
8h00
